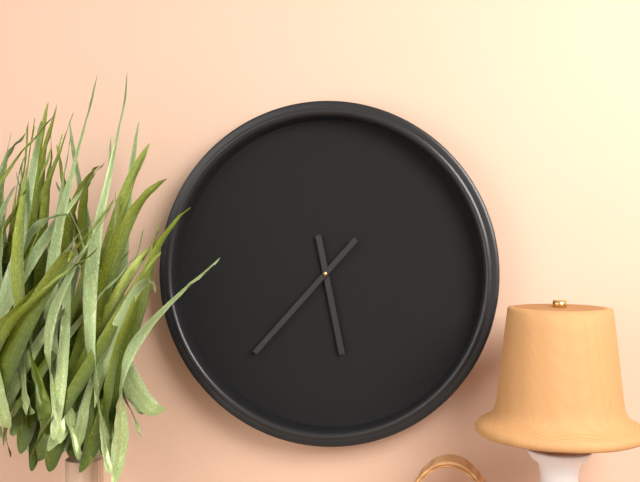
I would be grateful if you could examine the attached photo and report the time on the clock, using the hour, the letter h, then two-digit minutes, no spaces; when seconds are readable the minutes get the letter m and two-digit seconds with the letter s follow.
5h37
